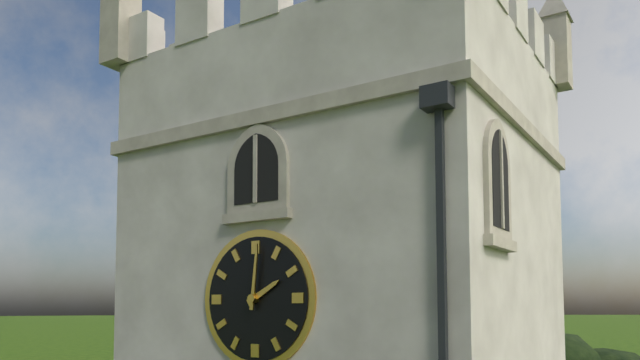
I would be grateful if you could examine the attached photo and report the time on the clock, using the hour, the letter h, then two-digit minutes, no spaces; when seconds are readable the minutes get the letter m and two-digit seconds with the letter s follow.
2h01
